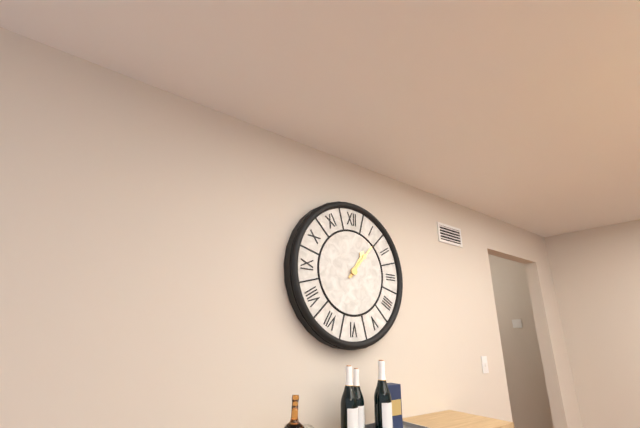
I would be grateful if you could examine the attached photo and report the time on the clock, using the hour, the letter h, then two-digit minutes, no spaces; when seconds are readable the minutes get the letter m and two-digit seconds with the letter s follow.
1h07
